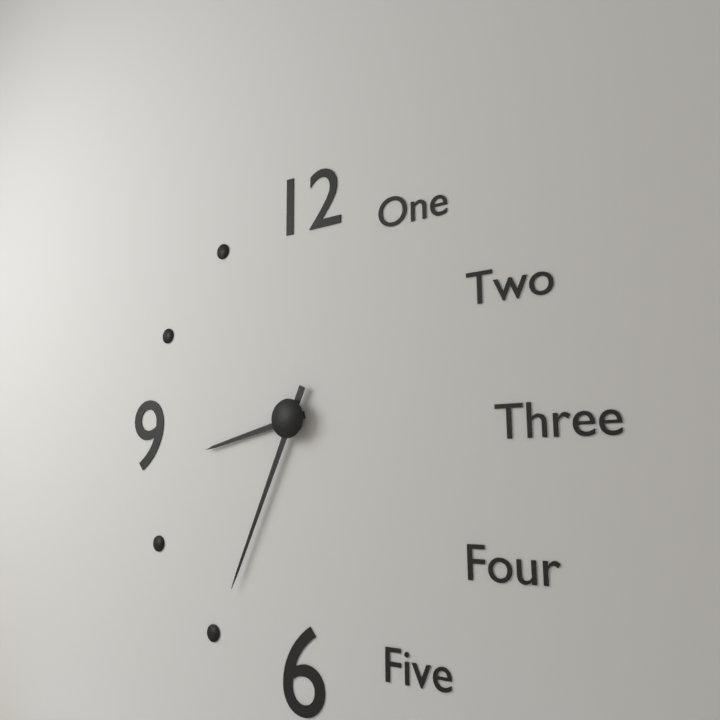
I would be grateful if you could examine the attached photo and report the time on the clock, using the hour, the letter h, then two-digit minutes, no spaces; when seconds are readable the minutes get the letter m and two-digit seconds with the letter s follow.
8h34
